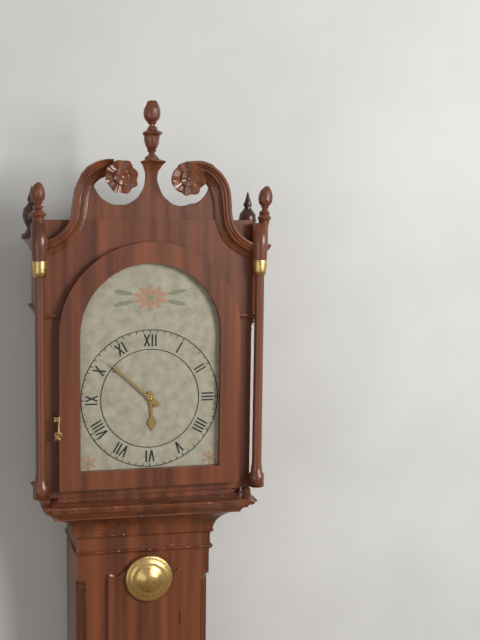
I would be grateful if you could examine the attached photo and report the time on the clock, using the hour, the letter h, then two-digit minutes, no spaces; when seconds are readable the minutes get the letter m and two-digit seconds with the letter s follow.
5h52
